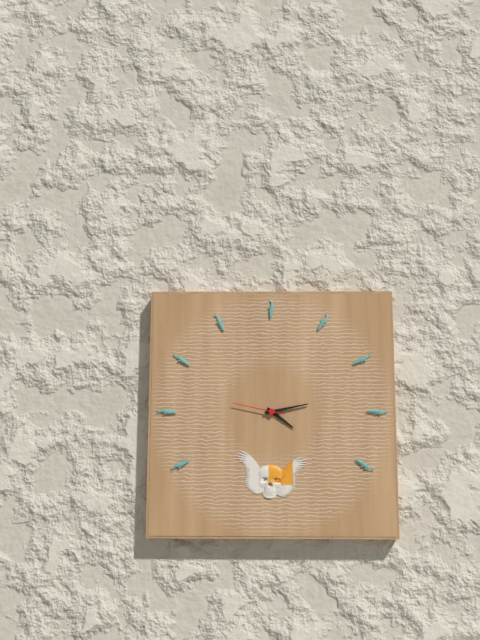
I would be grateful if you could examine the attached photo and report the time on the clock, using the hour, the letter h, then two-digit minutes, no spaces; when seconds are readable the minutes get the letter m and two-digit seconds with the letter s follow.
4h13
